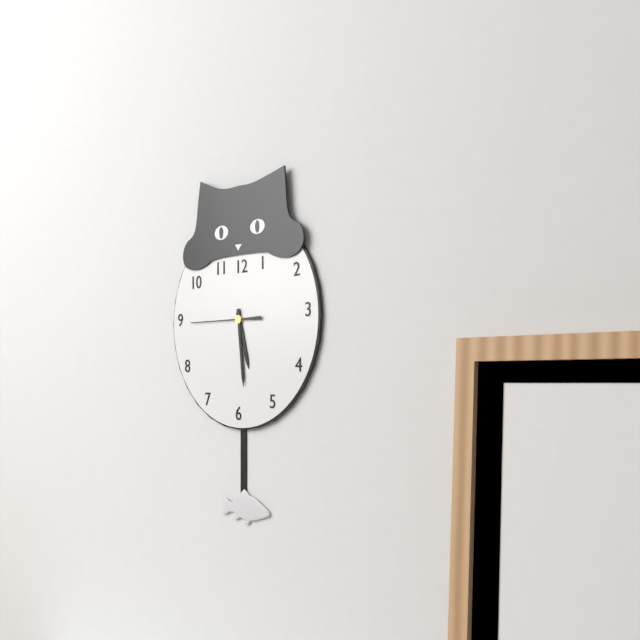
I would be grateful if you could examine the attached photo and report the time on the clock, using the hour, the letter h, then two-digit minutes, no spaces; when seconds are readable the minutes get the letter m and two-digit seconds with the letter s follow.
5h29m45s
